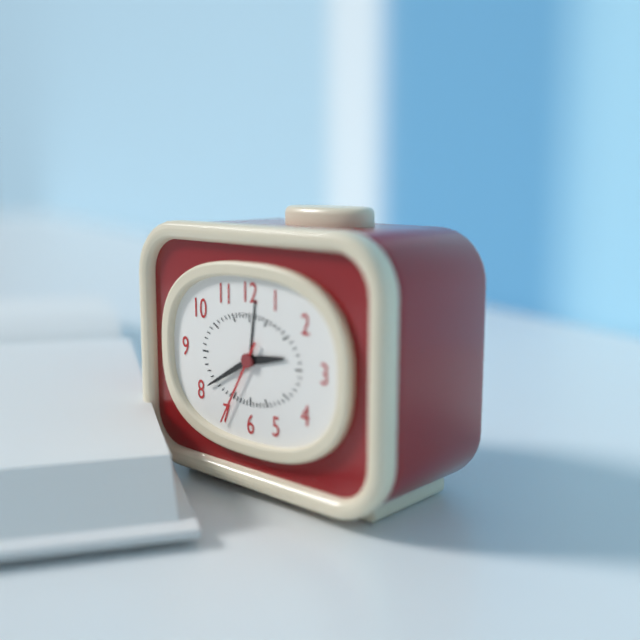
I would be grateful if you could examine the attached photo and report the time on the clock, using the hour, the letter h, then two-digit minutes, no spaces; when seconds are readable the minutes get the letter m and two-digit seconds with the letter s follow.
2h40m35s
